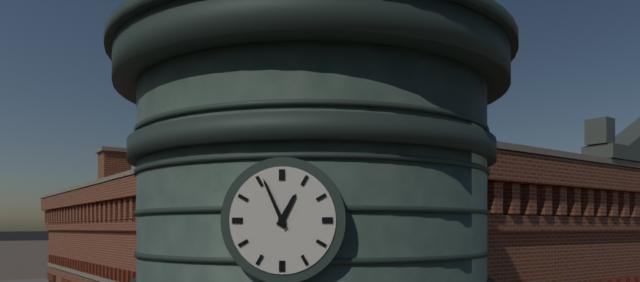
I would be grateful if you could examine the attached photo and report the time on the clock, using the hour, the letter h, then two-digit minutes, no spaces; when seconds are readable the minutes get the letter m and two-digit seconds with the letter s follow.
12h56
